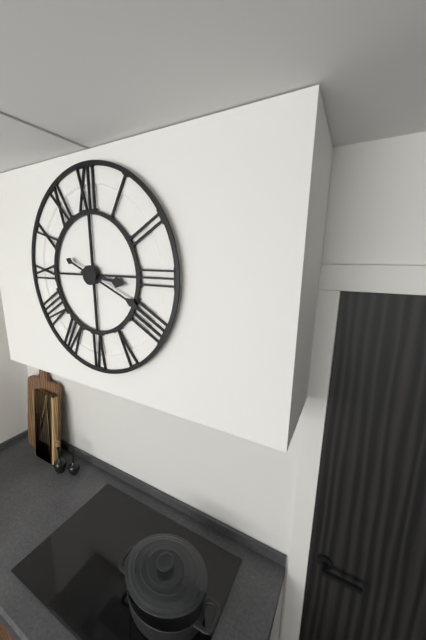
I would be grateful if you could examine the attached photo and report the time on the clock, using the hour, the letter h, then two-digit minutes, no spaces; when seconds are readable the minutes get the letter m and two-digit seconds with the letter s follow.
3h19
